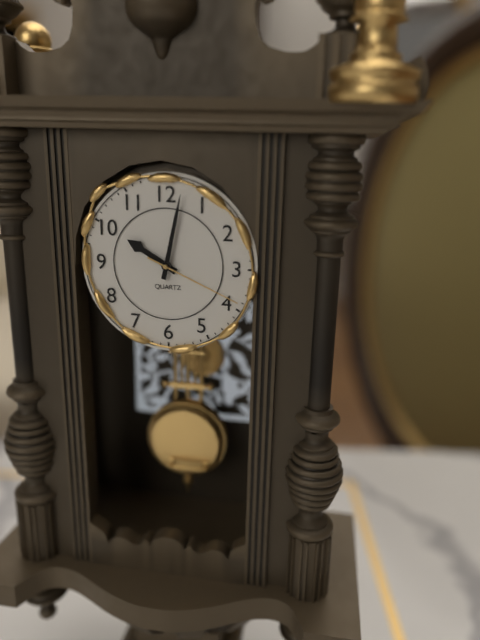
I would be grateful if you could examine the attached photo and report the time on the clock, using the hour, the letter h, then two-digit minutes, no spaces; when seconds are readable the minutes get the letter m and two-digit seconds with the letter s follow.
10h02m19s
